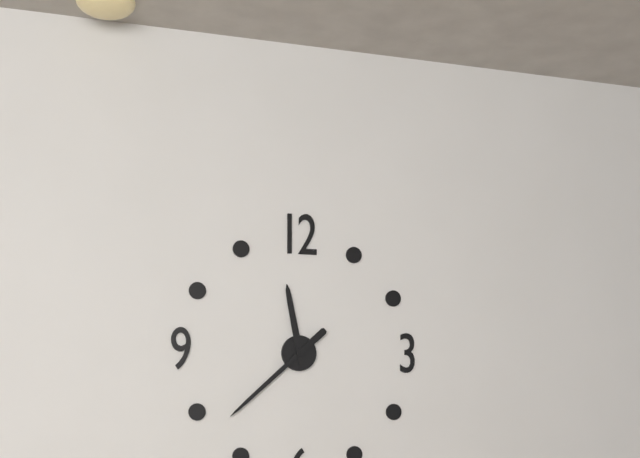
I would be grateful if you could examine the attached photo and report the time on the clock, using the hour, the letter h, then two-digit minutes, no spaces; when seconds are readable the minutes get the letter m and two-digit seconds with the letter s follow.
11h38
